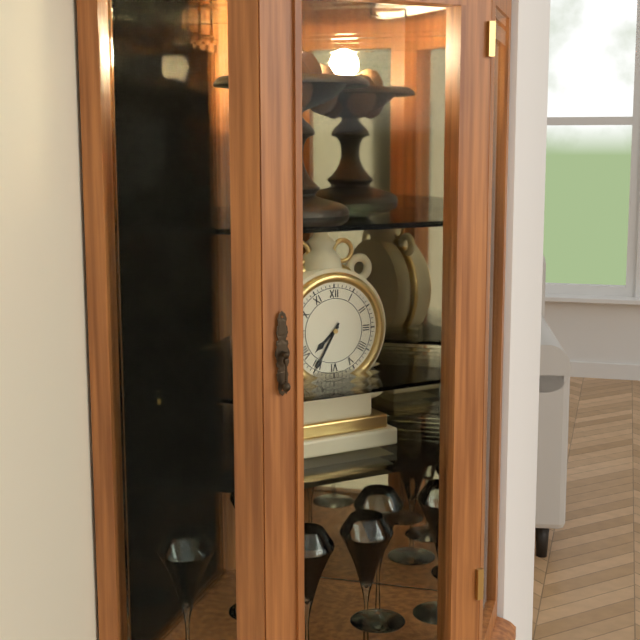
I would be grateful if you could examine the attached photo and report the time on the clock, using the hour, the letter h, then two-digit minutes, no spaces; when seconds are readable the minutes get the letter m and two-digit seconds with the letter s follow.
7h35
